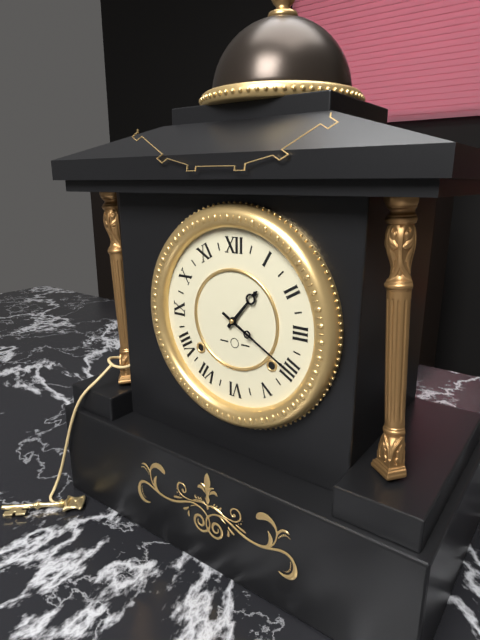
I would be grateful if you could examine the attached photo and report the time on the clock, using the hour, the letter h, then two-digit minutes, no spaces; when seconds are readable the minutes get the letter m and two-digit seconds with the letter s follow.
1h20
